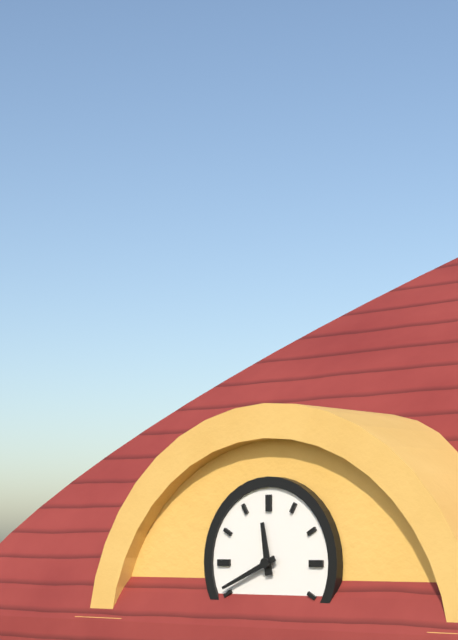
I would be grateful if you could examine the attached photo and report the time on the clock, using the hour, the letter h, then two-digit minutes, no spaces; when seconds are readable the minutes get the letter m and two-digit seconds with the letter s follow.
11h41
